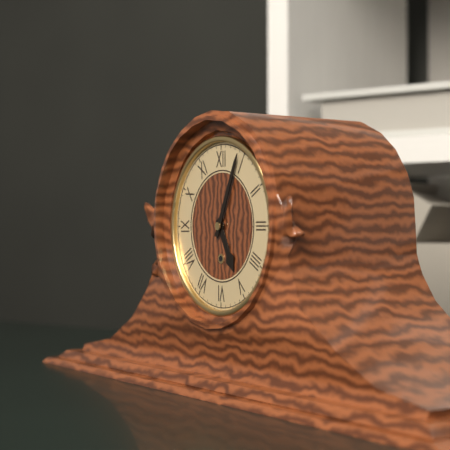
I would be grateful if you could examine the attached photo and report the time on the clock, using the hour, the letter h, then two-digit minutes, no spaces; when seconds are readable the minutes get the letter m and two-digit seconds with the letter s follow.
5h04
